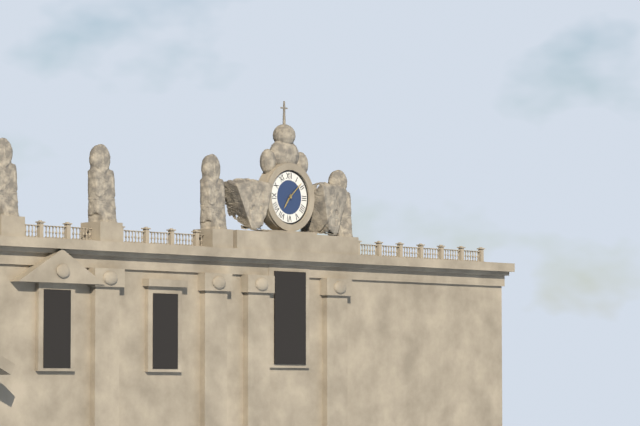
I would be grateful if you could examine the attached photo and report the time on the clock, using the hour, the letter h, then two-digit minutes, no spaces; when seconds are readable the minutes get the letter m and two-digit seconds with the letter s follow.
7h08
